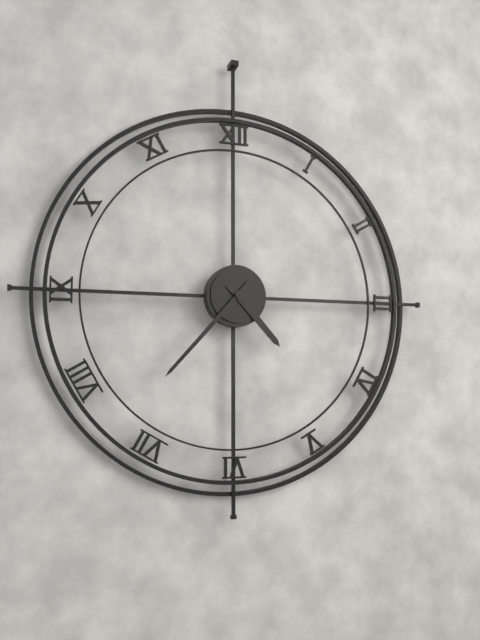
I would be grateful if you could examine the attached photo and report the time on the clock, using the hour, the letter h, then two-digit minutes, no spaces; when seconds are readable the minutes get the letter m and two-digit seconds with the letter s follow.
4h37
